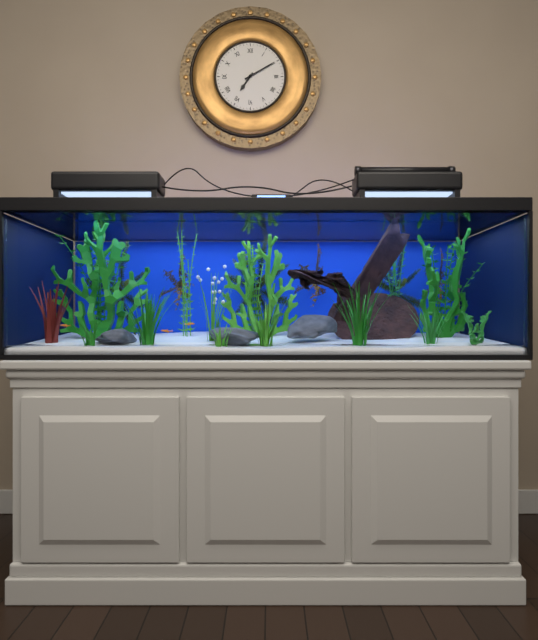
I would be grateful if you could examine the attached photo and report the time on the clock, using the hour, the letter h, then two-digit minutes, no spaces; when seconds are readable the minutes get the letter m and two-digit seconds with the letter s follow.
7h10
